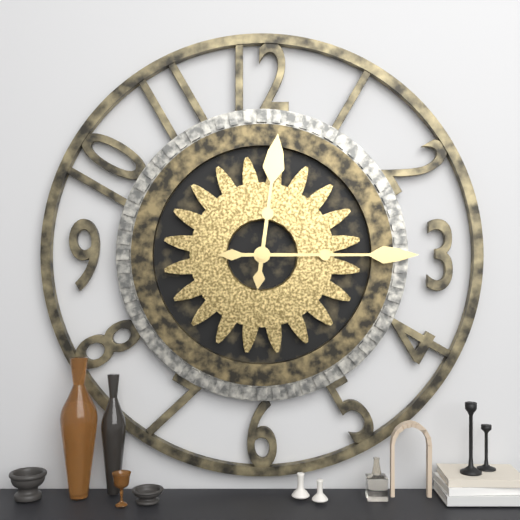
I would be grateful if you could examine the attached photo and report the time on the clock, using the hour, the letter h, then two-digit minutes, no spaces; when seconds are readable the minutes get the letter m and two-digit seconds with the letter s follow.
12h15
